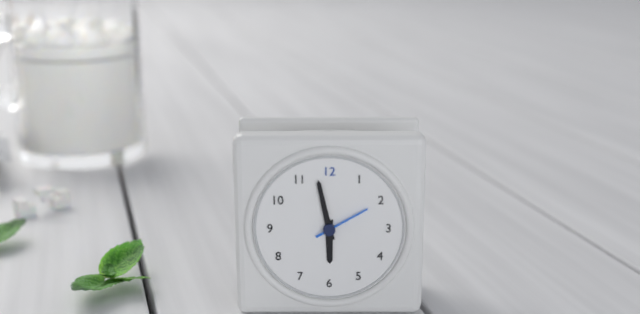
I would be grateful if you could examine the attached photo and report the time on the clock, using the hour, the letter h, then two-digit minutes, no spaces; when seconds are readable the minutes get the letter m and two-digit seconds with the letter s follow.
5h58
